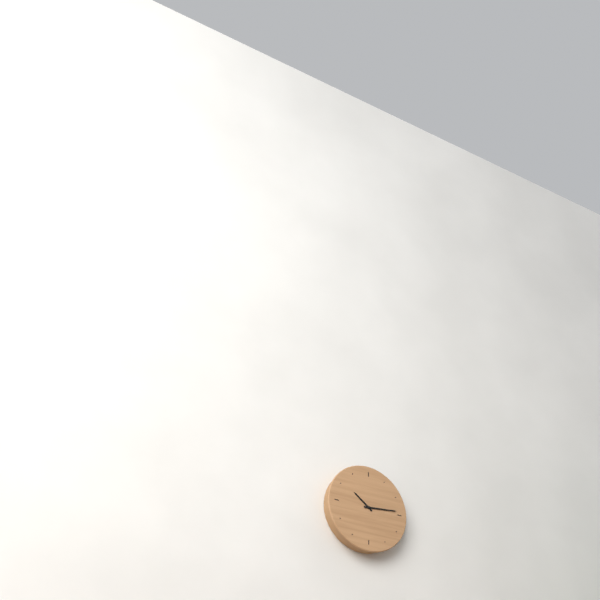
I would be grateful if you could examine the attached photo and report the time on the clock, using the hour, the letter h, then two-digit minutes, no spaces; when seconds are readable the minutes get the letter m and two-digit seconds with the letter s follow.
10h14
